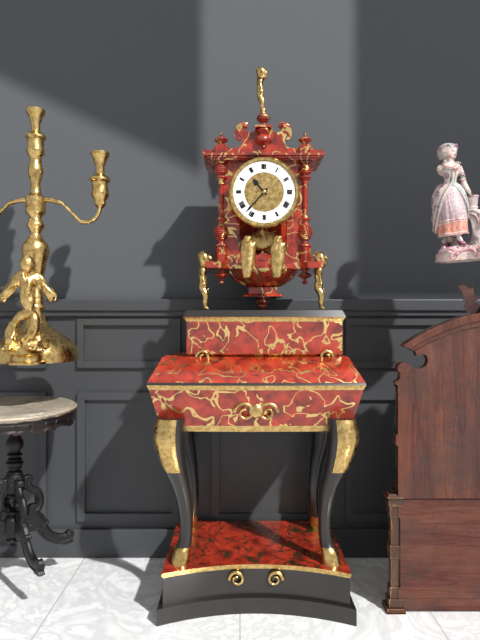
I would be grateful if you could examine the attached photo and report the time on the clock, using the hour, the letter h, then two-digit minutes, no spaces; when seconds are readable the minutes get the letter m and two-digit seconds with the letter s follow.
10h37
